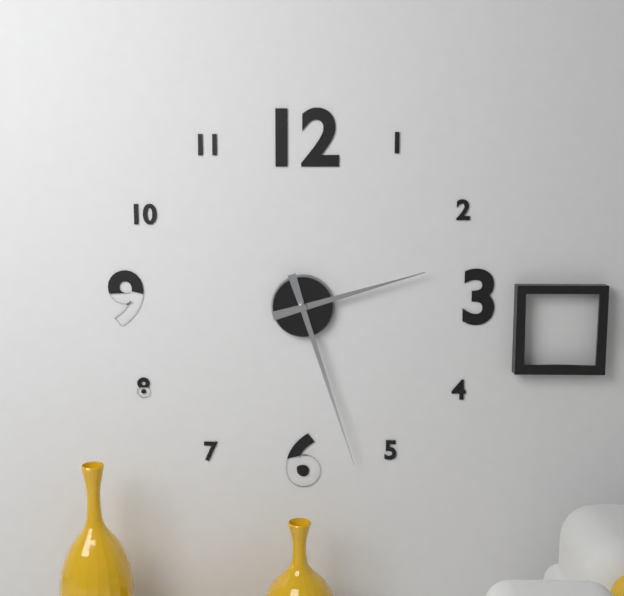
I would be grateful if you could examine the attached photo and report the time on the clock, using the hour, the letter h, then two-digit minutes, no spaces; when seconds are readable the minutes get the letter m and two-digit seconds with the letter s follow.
2h27
